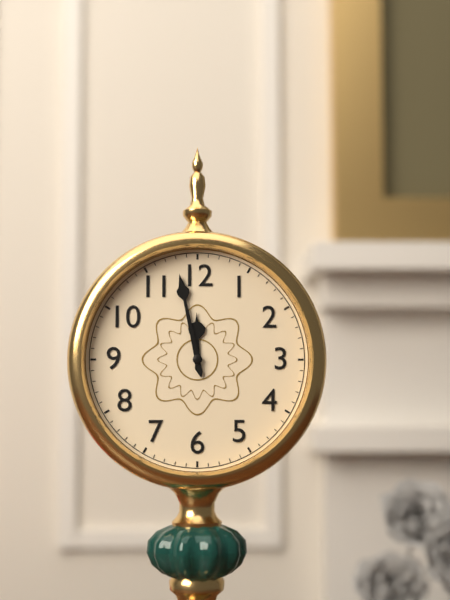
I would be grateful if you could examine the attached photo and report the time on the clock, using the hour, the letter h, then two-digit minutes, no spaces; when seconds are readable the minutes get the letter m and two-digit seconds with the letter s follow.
11h58
